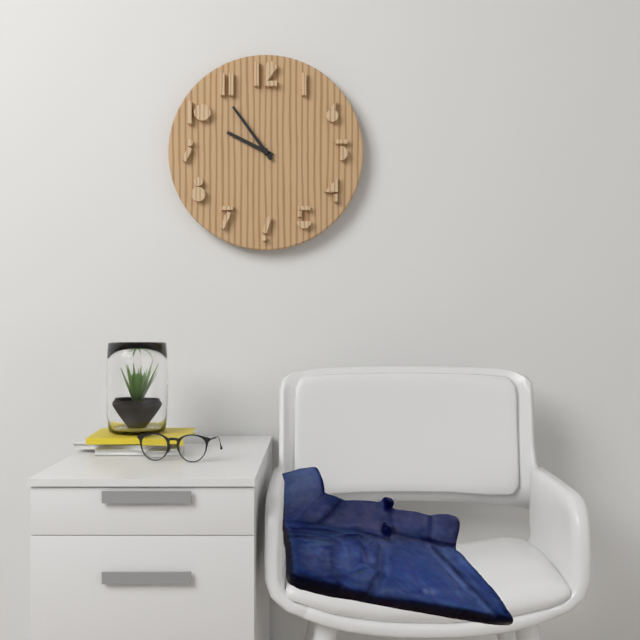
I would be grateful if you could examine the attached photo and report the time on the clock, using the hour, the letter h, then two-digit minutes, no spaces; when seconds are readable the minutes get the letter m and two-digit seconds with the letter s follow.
9h54
